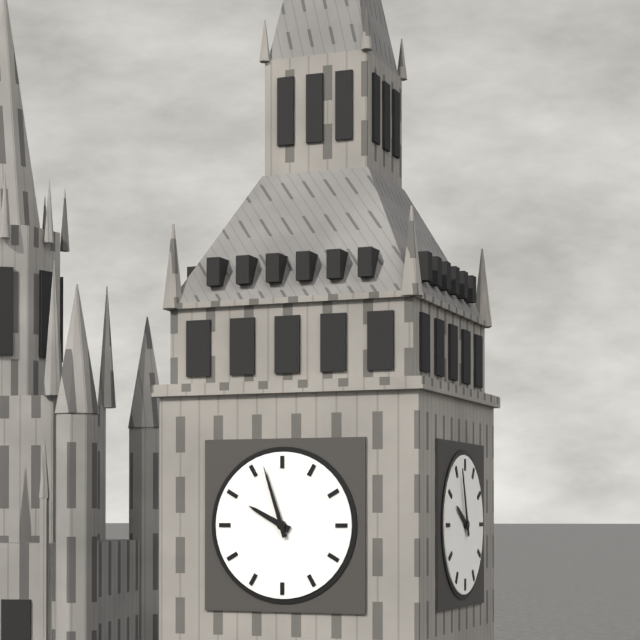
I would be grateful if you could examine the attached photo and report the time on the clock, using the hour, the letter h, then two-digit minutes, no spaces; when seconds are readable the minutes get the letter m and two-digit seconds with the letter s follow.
9h57
